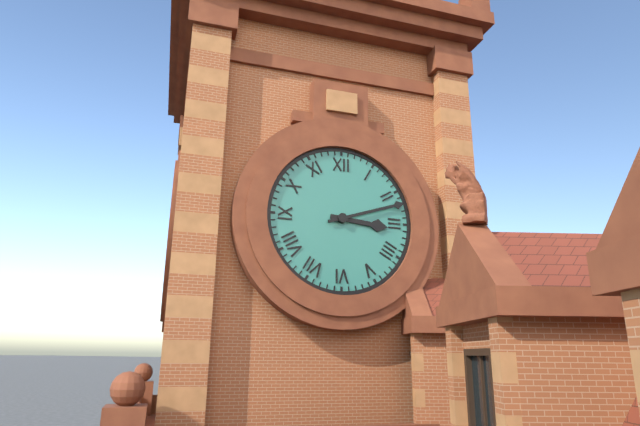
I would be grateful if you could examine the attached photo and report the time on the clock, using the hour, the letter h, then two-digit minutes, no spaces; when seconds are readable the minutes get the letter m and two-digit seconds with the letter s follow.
3h12
